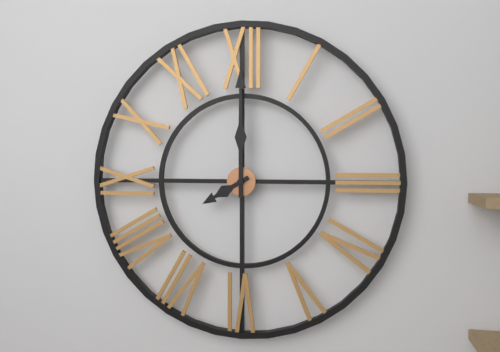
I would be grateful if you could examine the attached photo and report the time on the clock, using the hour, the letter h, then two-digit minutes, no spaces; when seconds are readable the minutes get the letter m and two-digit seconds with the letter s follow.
8h00
